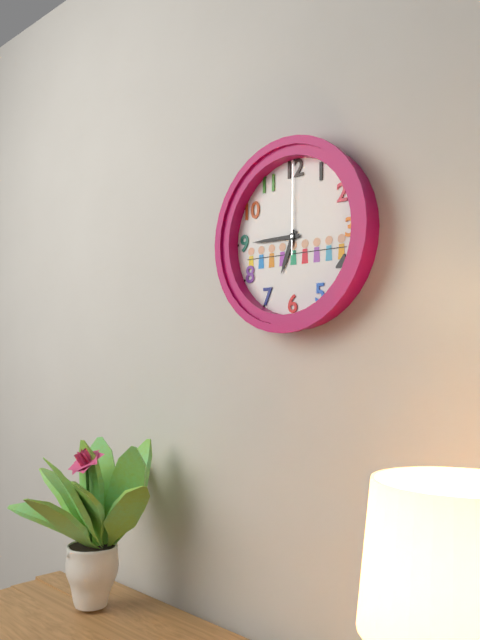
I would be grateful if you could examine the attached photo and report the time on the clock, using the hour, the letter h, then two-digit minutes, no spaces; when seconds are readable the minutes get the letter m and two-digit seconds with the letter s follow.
6h45m00s
